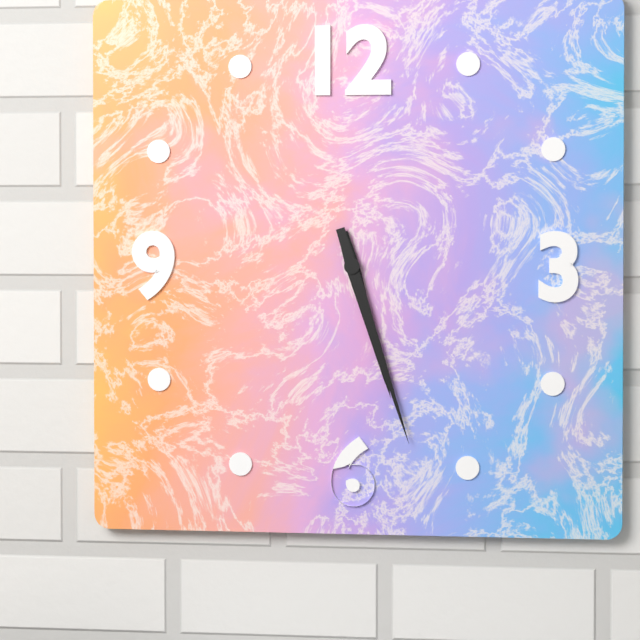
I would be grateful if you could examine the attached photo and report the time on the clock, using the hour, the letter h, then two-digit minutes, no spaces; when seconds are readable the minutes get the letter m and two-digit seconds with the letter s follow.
5h27
